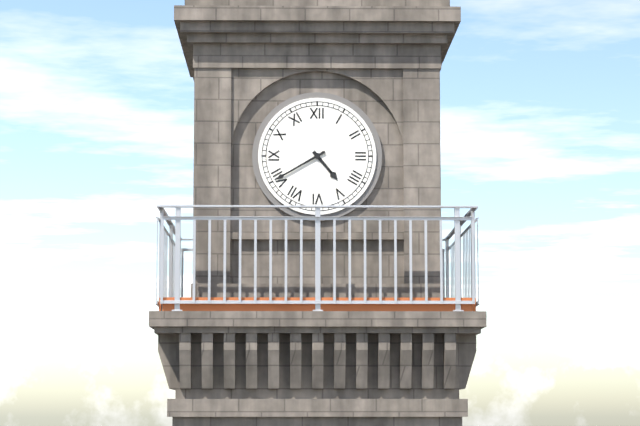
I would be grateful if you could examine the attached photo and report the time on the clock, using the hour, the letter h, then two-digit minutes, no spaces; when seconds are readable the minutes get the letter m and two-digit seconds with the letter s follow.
4h40
